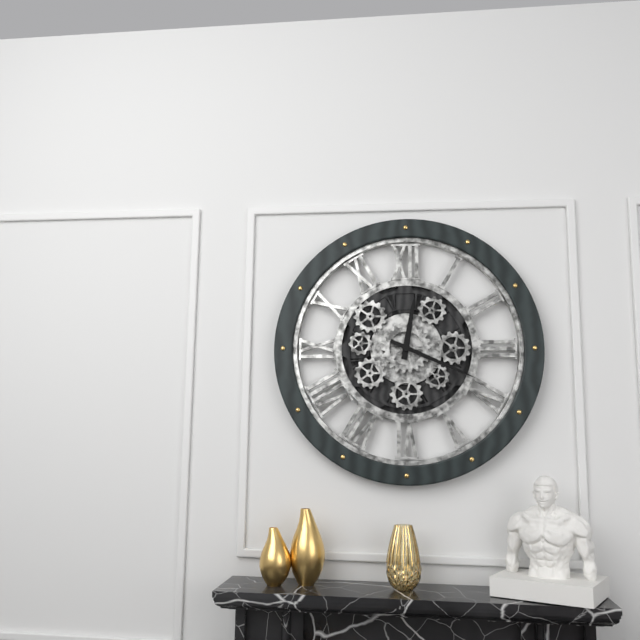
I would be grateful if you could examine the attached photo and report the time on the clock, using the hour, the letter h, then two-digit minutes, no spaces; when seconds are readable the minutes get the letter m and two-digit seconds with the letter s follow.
12h19
